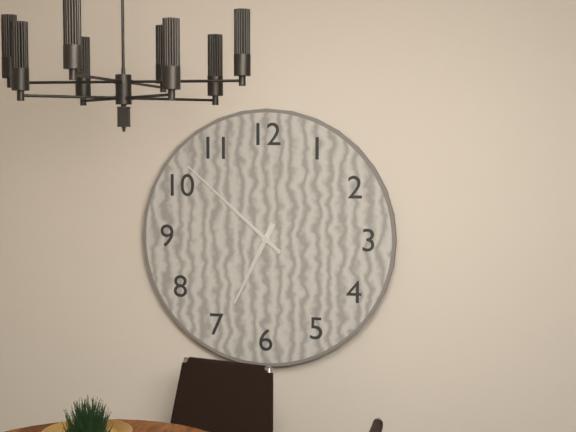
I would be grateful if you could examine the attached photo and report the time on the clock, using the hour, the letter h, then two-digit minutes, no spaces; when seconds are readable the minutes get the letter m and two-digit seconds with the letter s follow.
6h52
